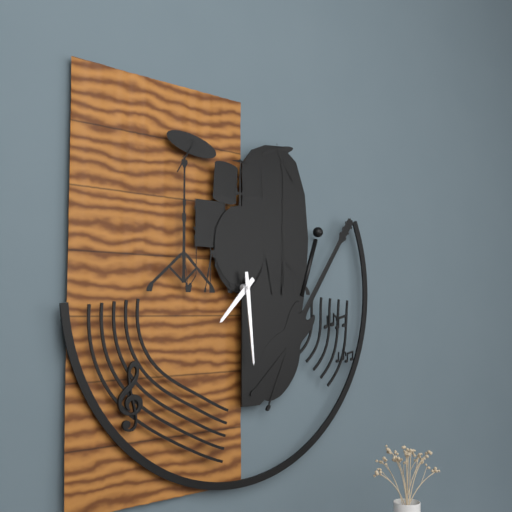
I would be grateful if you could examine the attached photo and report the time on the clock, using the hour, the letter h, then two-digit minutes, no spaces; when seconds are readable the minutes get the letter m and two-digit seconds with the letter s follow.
7h29
